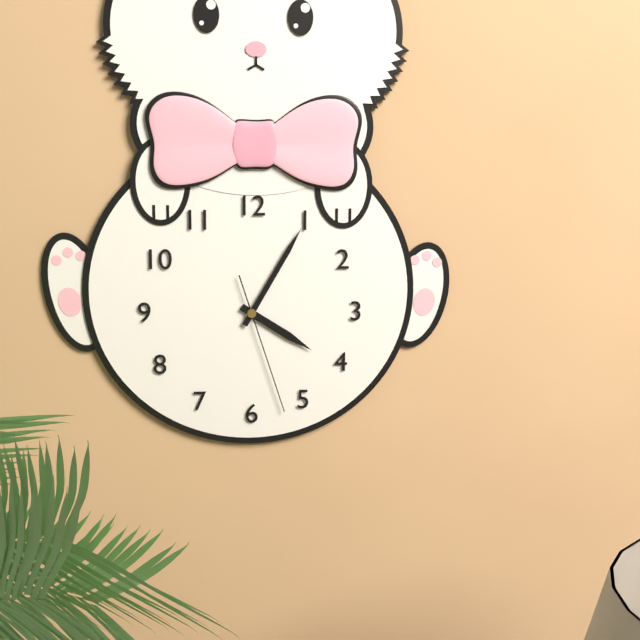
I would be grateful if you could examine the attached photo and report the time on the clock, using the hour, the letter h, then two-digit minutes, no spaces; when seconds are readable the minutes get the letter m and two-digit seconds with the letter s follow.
4h05m27s
